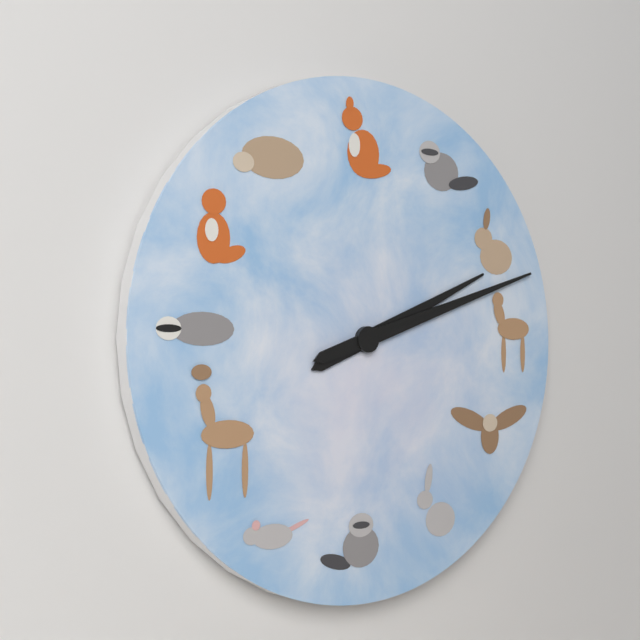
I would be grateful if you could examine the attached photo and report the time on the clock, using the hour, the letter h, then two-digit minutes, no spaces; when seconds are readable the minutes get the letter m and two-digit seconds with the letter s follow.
2h12
